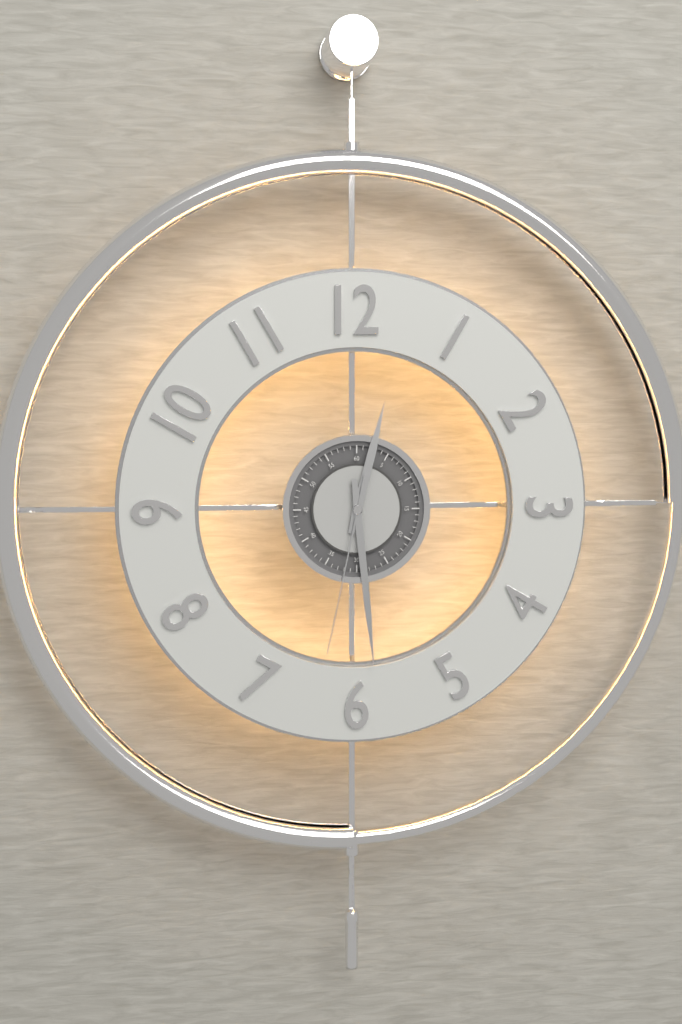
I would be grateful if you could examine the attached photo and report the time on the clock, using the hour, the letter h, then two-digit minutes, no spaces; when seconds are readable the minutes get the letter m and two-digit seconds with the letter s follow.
12h29m32s
